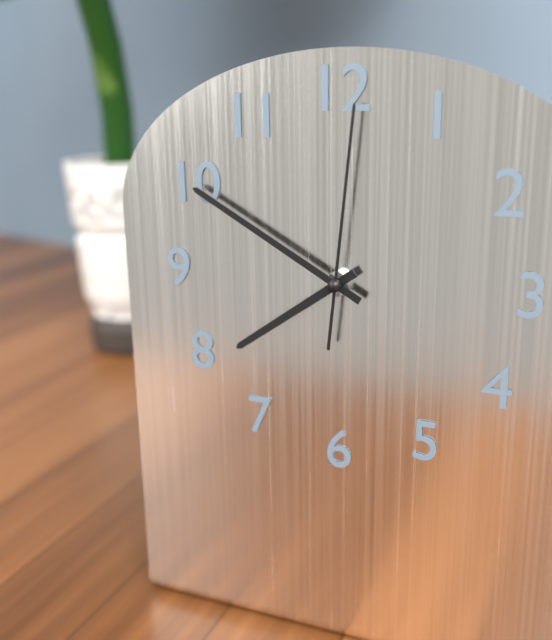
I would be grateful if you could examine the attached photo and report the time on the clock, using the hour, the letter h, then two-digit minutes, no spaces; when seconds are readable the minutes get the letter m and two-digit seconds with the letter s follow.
7h50m01s
